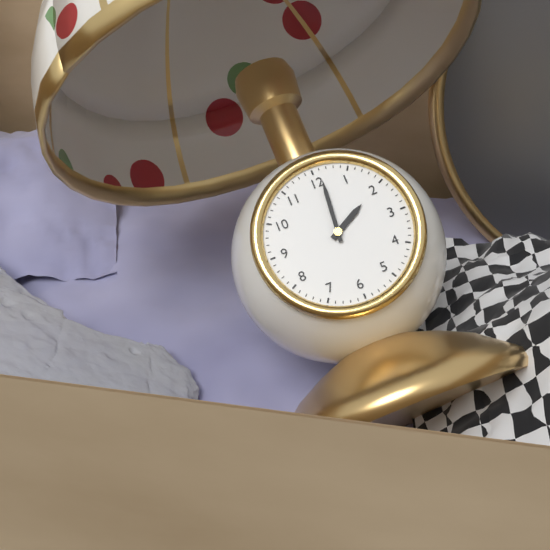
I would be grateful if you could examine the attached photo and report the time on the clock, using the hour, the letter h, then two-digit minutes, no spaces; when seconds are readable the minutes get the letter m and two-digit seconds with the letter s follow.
2h01
